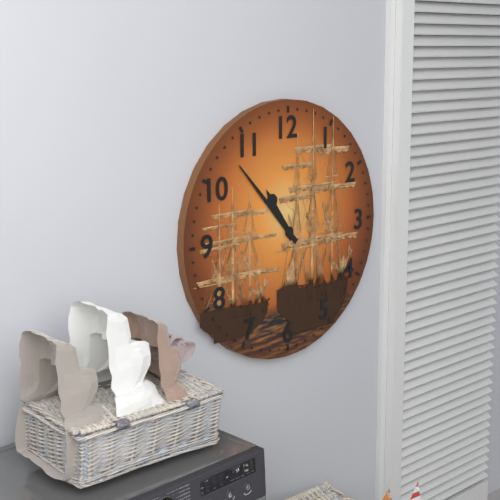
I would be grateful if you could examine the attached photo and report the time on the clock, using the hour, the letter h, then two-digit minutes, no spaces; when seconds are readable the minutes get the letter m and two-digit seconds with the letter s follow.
10h53
